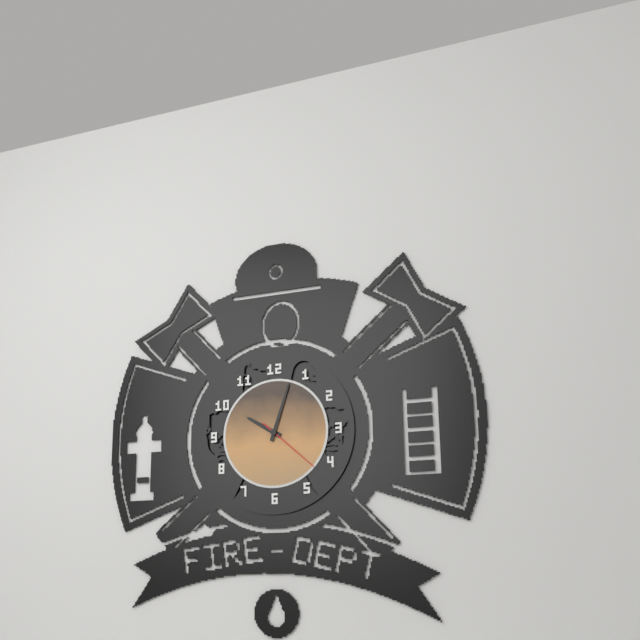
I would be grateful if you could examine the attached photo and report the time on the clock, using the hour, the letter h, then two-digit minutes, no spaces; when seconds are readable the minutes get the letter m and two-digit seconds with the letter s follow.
10h03m22s
